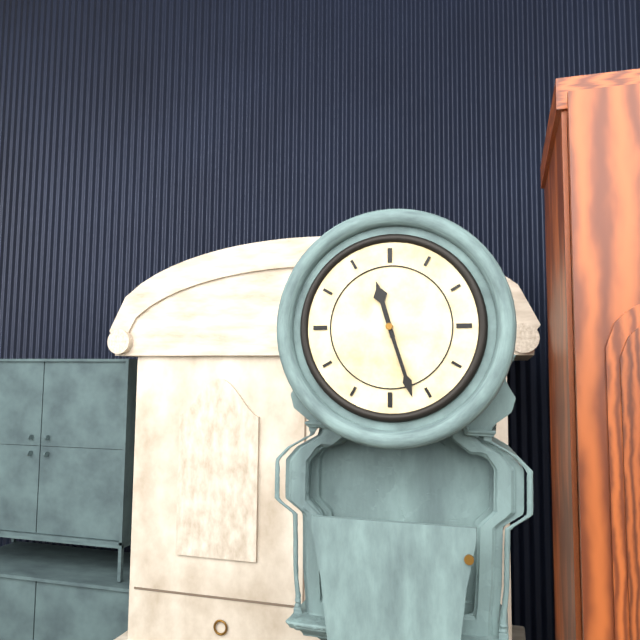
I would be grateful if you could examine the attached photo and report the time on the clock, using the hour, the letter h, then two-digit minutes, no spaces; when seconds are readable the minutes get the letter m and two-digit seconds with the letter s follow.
11h27
